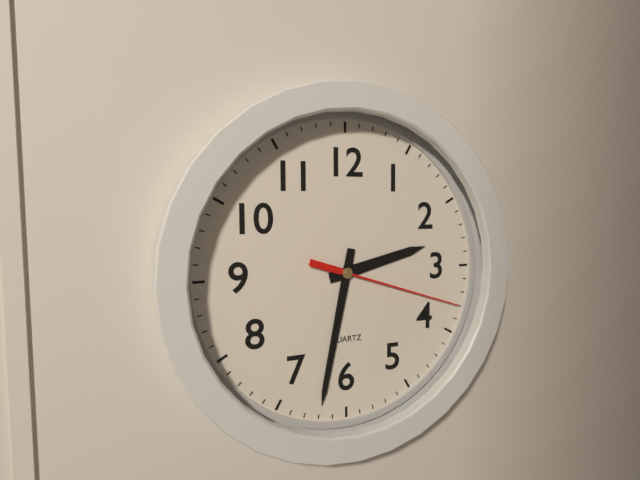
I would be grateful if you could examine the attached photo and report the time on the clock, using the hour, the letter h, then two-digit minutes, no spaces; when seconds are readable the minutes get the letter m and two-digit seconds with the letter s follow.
2h32m18s
